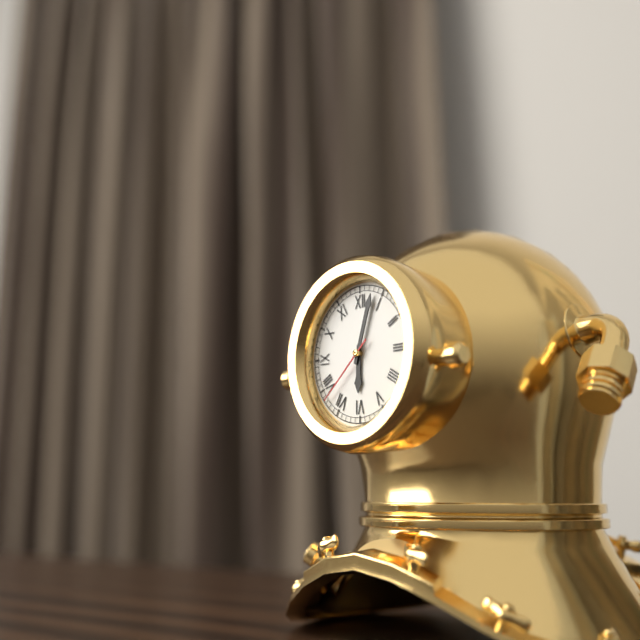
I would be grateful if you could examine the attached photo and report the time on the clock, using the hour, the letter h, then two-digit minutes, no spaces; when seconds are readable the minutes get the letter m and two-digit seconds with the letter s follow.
6h03m38s
